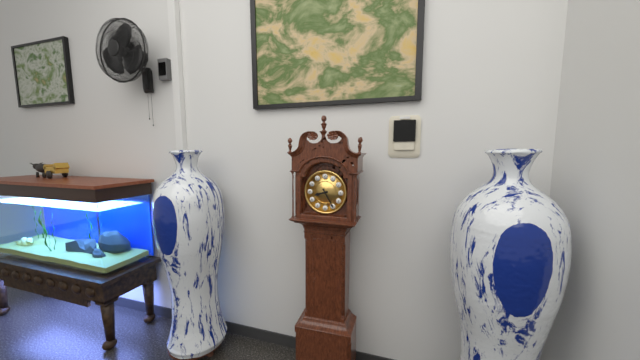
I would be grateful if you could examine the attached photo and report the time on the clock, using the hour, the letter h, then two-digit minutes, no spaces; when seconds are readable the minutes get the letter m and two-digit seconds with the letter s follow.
8h25
